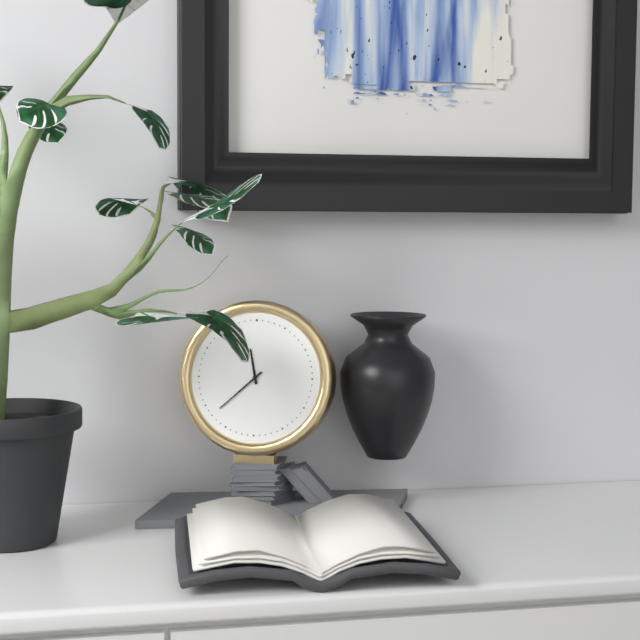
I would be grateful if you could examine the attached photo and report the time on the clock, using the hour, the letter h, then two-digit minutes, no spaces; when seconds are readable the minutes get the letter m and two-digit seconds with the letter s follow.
11h38
